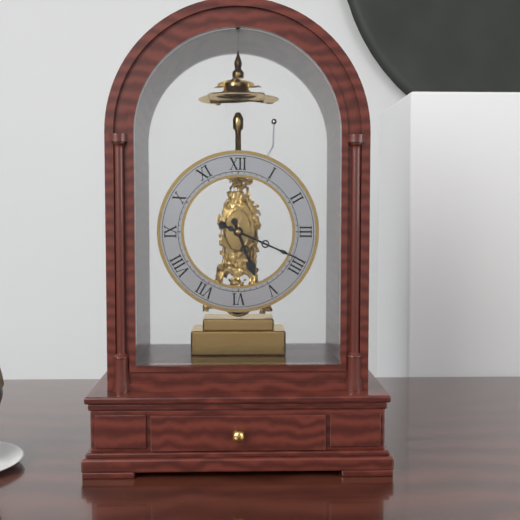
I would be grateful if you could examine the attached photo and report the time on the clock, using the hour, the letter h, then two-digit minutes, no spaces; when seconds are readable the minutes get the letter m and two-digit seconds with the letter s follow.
5h19
